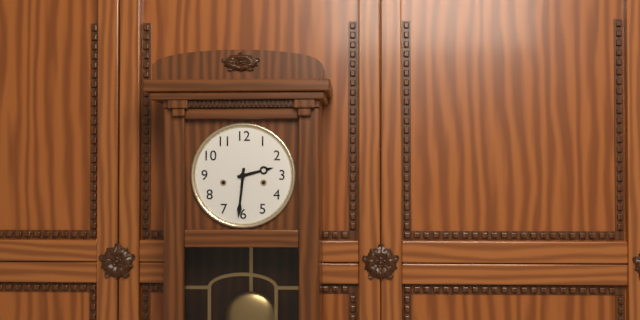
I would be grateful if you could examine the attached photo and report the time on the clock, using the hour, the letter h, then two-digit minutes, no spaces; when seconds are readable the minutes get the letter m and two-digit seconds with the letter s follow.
2h31
